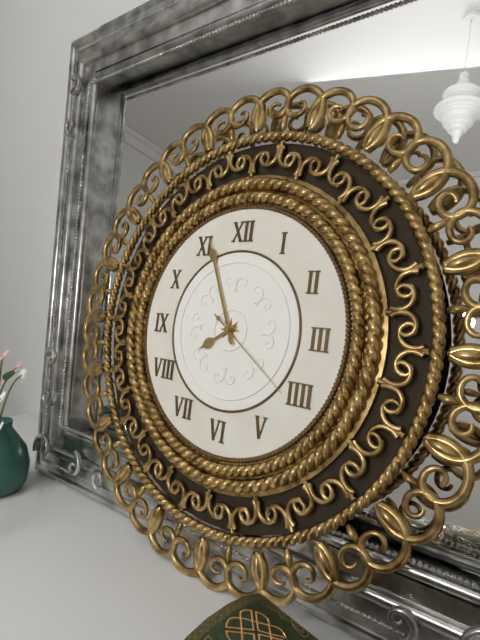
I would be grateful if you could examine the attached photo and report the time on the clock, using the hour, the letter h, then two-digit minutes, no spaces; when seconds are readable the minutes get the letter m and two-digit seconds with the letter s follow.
7h56m21s
